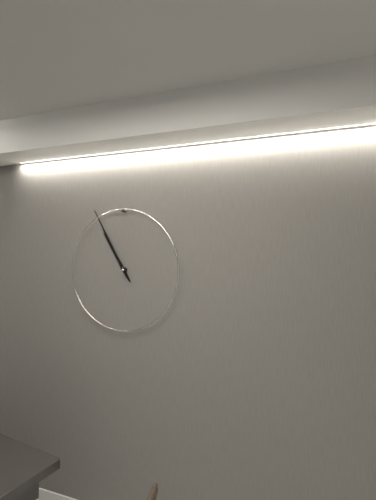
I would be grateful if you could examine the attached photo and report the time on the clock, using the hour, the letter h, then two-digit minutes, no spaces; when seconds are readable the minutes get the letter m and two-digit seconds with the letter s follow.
10h55
